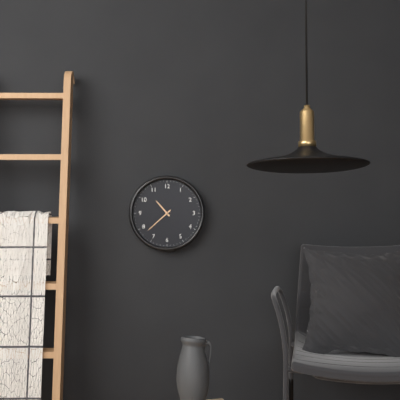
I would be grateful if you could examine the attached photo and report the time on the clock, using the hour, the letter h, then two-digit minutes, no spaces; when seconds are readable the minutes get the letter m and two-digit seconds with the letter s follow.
10h38
